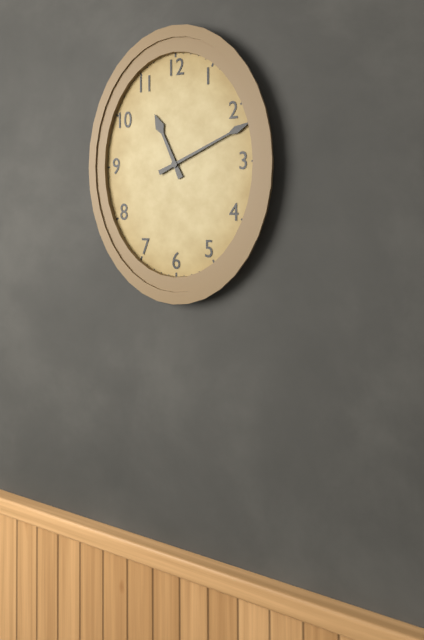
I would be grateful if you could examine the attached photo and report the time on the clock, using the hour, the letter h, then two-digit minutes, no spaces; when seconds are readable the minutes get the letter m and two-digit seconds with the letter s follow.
11h11
